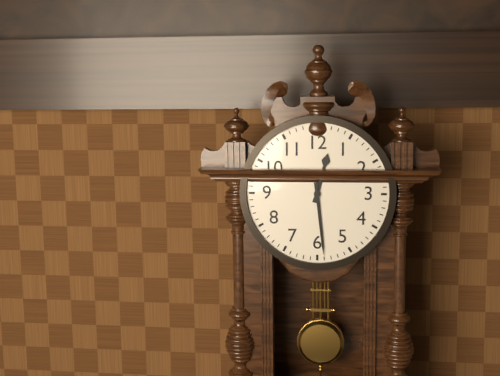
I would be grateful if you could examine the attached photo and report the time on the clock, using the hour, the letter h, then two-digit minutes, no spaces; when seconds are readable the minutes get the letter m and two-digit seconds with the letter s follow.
12h29
